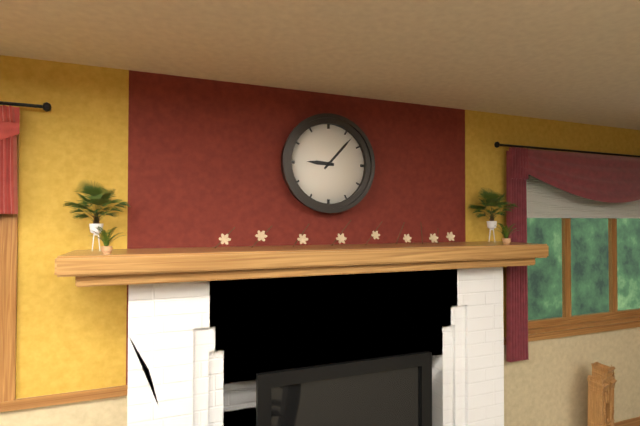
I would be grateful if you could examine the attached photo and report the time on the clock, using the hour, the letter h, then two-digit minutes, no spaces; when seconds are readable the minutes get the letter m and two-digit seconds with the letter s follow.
9h07
